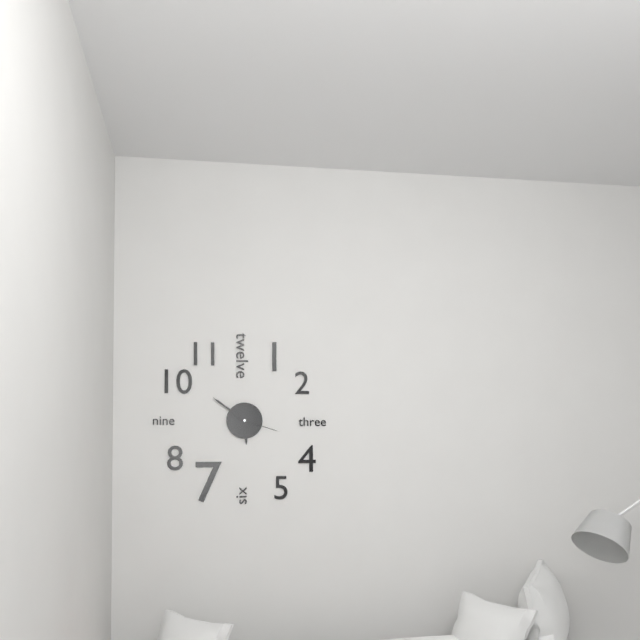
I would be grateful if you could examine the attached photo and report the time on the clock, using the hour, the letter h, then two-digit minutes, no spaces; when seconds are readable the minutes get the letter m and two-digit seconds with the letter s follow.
5h51
